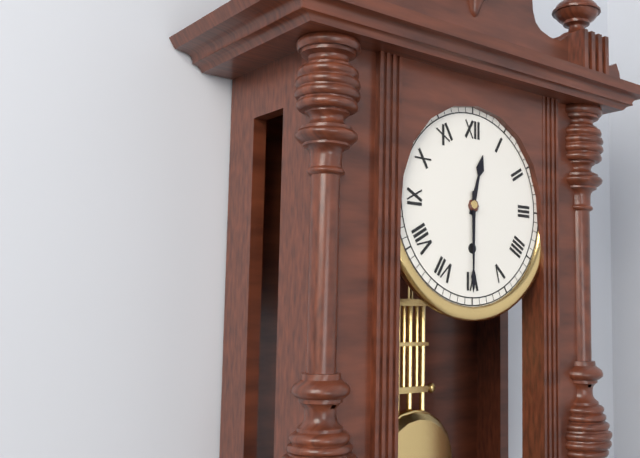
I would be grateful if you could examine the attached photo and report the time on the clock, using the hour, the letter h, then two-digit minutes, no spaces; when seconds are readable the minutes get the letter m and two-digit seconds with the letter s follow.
12h30
